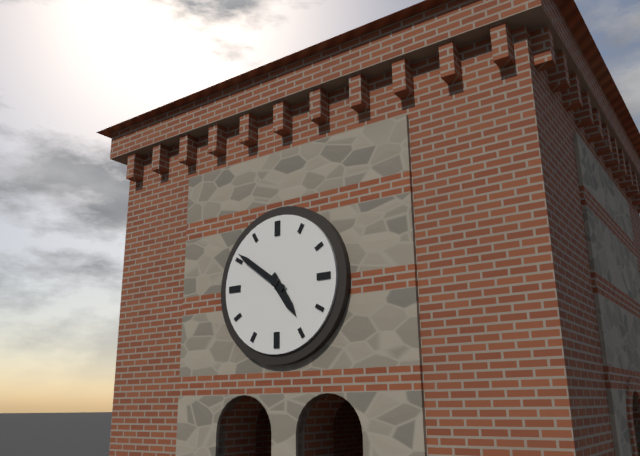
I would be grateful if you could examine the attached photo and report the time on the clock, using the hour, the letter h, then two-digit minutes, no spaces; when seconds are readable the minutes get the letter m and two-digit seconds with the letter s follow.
4h51
